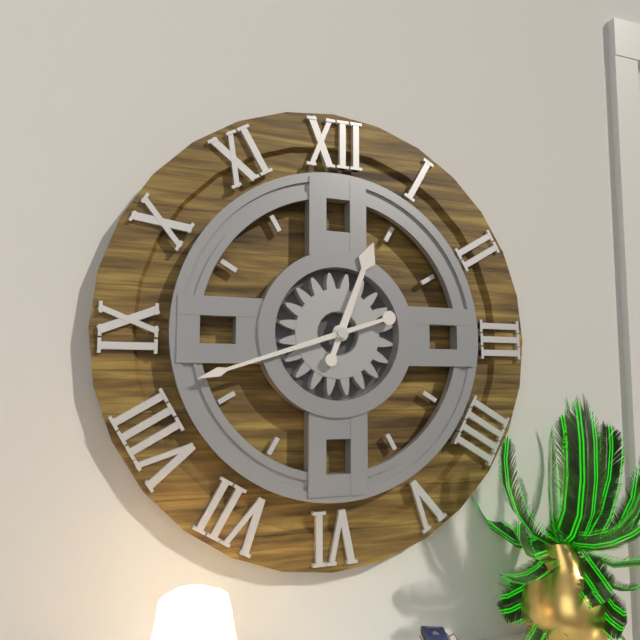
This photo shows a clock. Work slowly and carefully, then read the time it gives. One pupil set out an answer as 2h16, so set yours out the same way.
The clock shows 12h42
